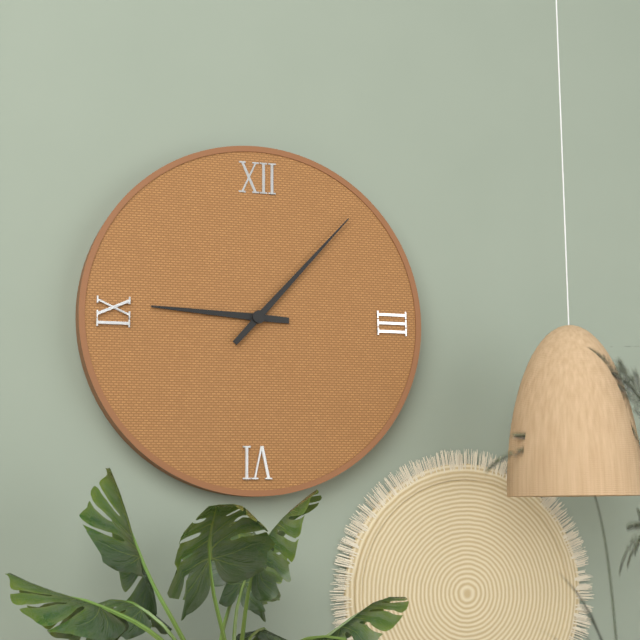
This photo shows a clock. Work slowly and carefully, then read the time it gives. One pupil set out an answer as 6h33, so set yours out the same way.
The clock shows 9h07
